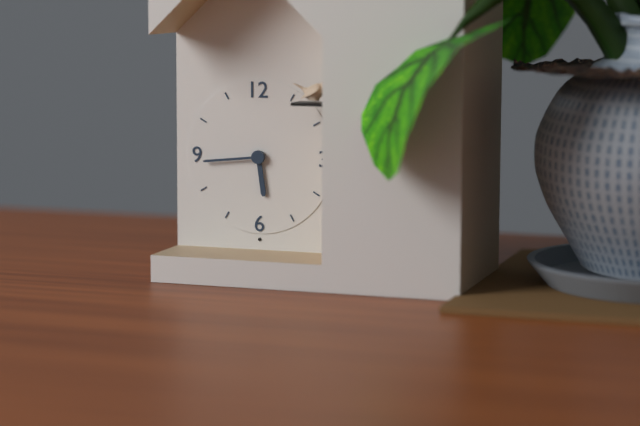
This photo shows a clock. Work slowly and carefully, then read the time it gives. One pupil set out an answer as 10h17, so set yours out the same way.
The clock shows 5h44
